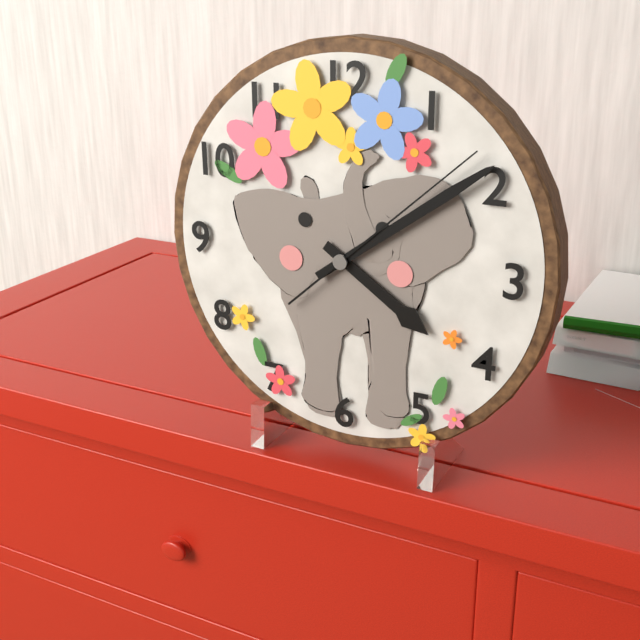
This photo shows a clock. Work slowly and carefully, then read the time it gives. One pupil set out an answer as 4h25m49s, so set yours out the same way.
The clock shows 4h09m08s
